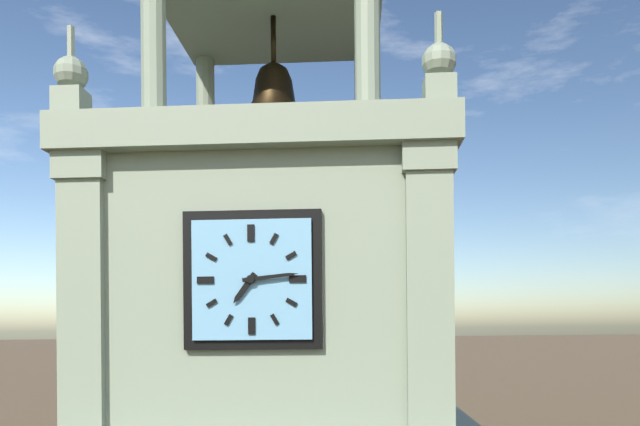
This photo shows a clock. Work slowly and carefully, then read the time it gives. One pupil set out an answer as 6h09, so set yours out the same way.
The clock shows 7h14
